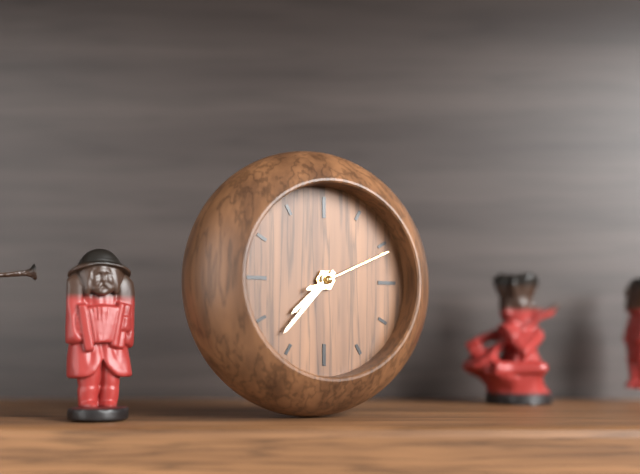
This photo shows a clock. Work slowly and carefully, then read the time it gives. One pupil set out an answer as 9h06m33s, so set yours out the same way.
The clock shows 7h37m11s
